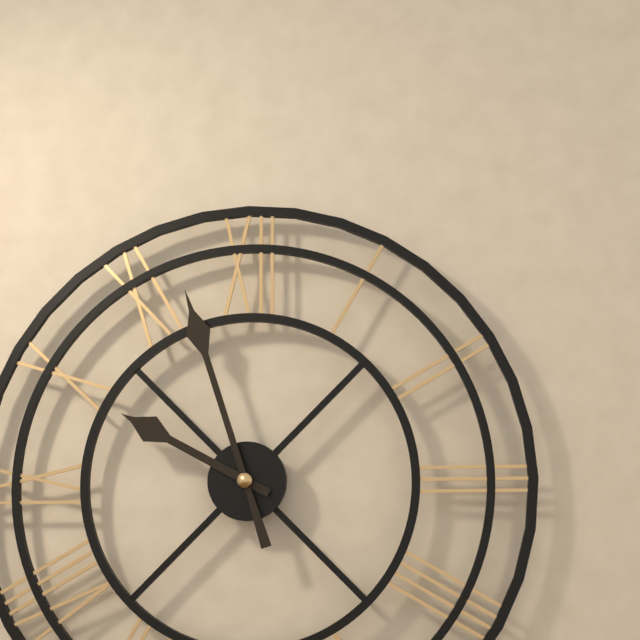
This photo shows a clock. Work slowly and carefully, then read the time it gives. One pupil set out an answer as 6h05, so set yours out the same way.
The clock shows 9h57
